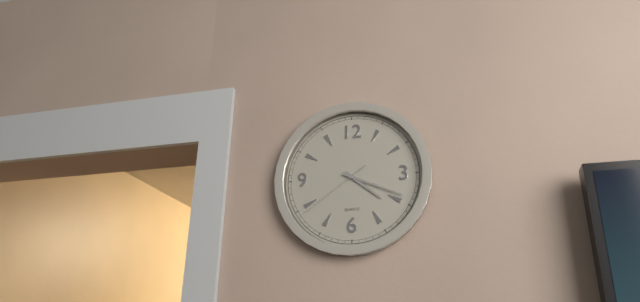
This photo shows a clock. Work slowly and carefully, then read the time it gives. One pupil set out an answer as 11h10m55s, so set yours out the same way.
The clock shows 4h19m39s
